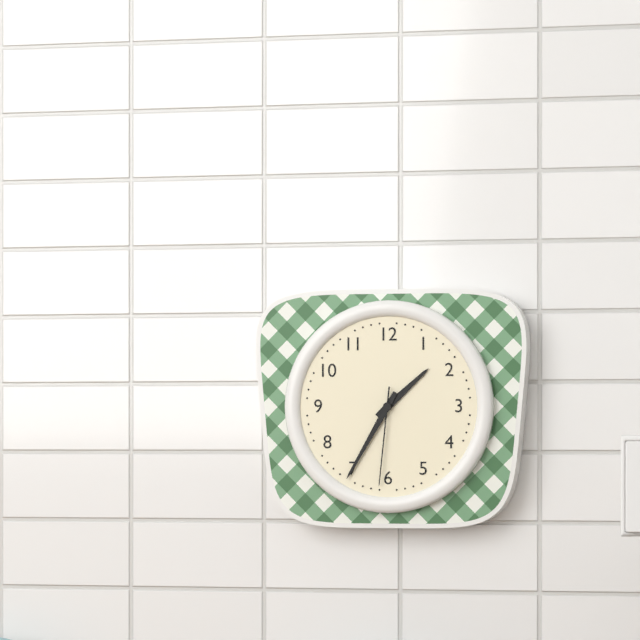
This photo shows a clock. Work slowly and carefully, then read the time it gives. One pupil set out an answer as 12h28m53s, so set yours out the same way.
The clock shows 1h35m31s
